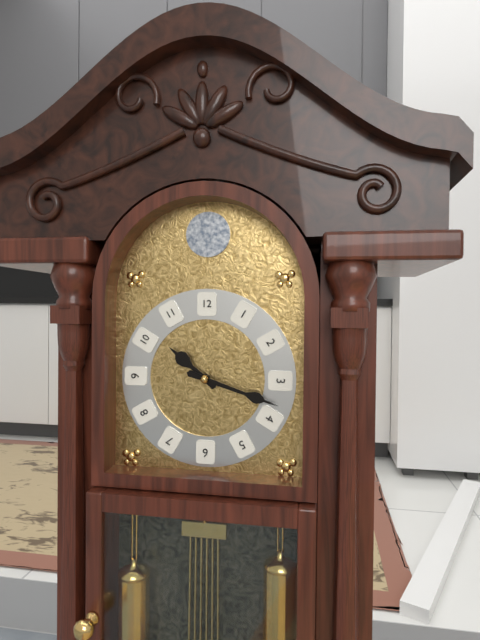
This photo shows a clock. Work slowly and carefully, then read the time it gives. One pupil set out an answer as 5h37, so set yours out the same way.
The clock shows 10h18
